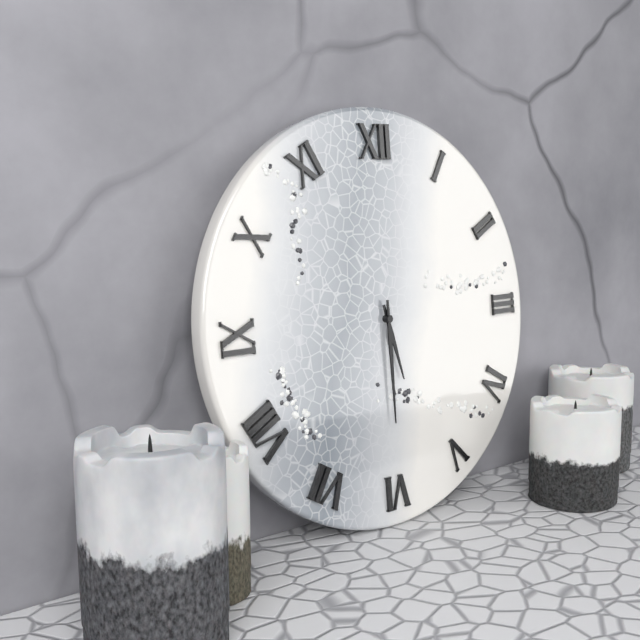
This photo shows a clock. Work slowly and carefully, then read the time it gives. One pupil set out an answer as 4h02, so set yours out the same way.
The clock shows 5h30
